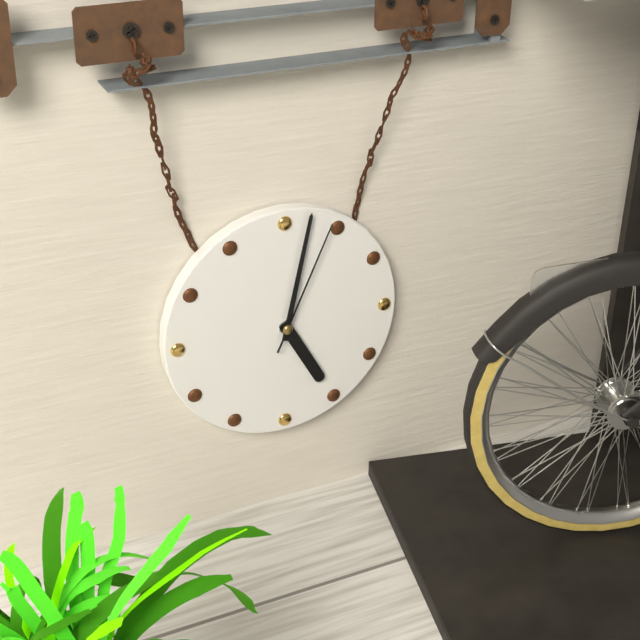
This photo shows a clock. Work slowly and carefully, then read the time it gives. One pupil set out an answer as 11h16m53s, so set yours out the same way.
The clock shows 5h02m04s
